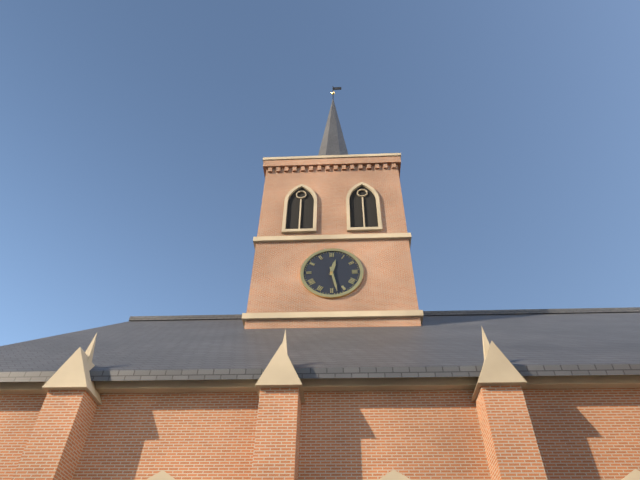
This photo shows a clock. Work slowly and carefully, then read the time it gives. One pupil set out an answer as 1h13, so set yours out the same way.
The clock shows 12h28
